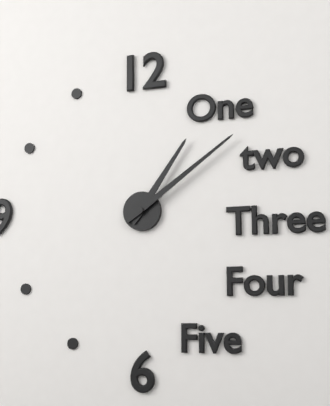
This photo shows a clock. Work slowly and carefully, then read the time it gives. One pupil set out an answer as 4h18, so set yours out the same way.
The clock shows 1h09
